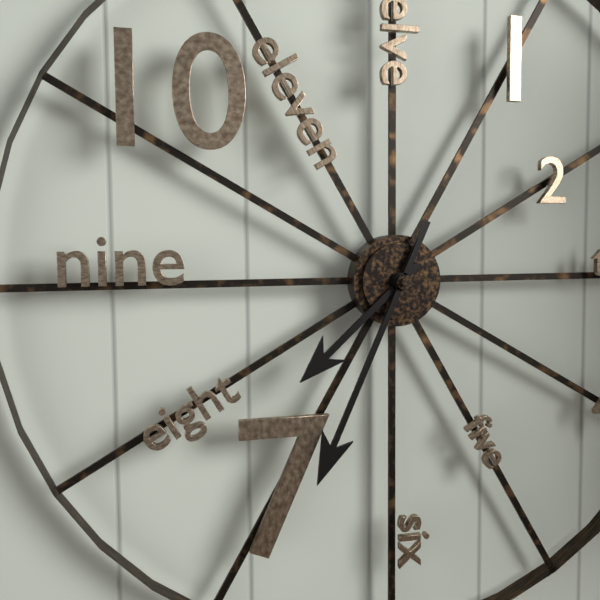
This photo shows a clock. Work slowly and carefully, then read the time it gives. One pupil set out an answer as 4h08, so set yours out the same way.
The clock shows 7h34
